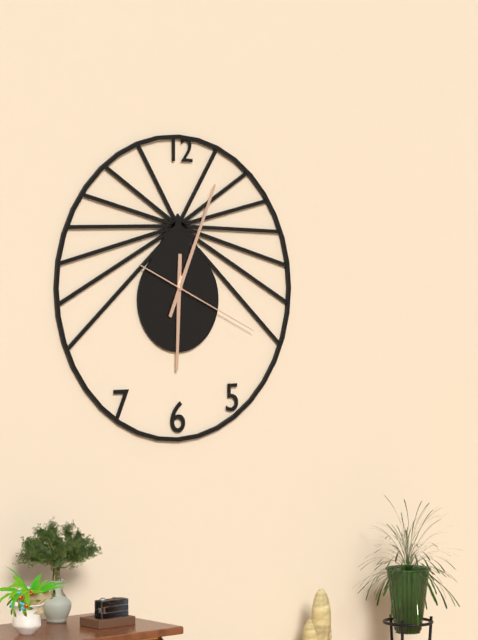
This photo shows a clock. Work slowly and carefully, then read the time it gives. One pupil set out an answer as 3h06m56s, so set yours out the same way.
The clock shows 6h04m19s
